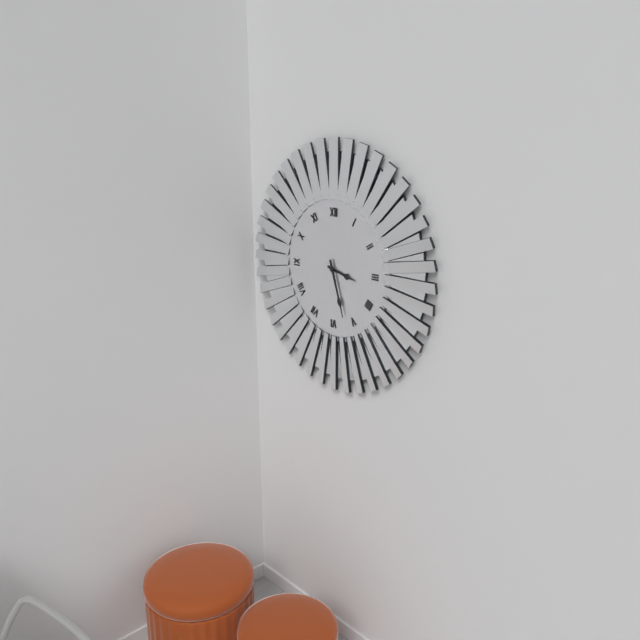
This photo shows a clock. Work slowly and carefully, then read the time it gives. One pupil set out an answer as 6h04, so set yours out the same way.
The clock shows 3h27
